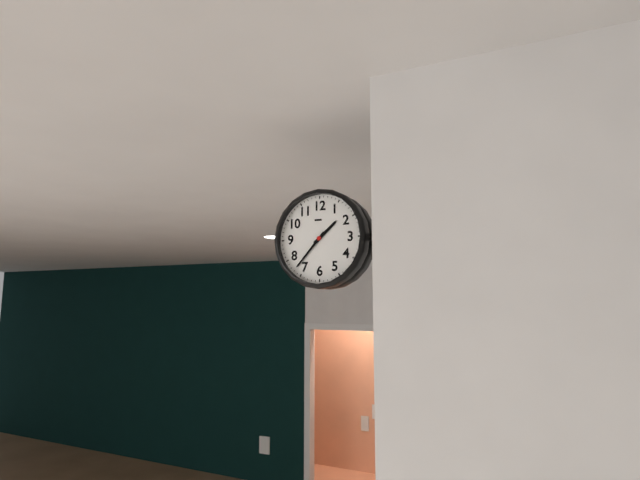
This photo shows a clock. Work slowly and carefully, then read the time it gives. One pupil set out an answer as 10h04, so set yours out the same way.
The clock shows 1h37
